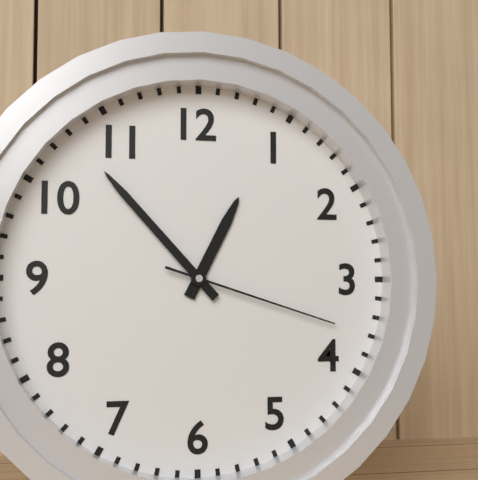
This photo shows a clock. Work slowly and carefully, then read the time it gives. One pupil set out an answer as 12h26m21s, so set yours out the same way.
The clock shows 12h53m18s
